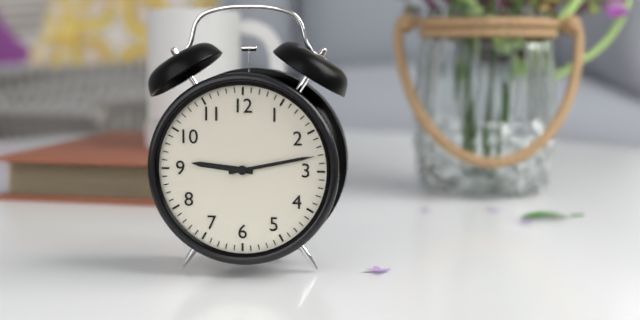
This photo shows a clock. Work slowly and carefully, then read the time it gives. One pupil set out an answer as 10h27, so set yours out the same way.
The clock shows 9h13
